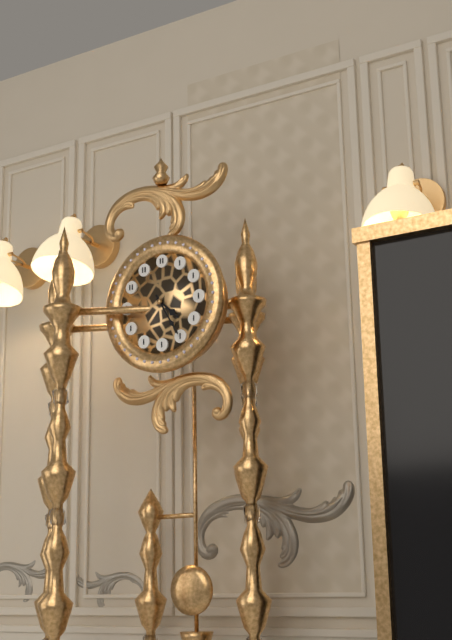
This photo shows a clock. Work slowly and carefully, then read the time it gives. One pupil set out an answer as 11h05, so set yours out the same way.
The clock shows 4h25
